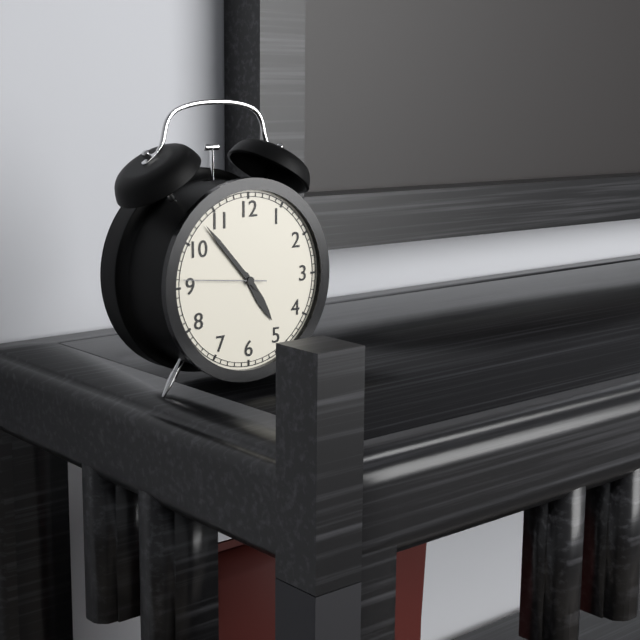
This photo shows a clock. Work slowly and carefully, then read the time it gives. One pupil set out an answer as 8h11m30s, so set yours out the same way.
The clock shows 4h53m46s
